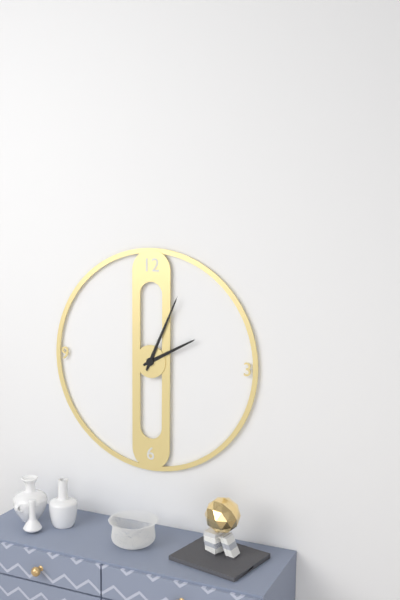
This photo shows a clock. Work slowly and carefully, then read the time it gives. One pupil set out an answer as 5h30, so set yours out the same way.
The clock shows 2h04
